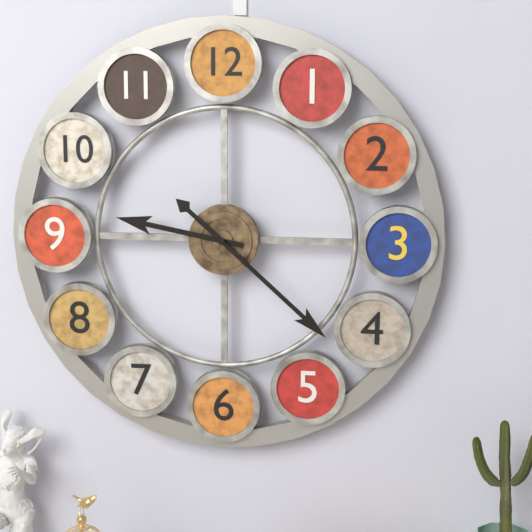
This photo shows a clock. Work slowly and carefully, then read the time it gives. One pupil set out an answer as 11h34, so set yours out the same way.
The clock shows 9h22
